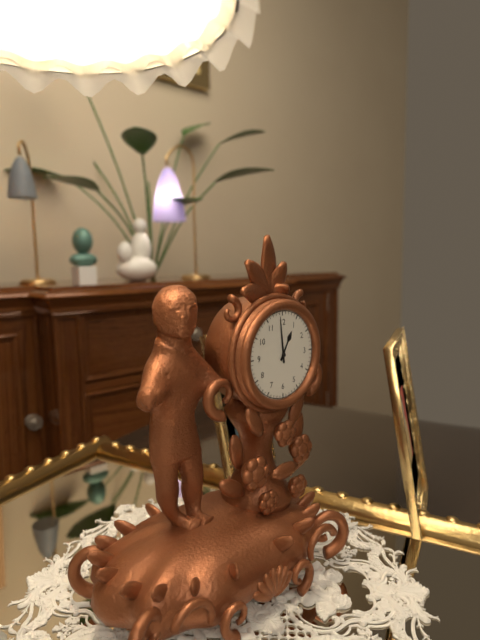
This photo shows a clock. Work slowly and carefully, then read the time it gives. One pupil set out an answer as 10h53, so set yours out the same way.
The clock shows 12h59
